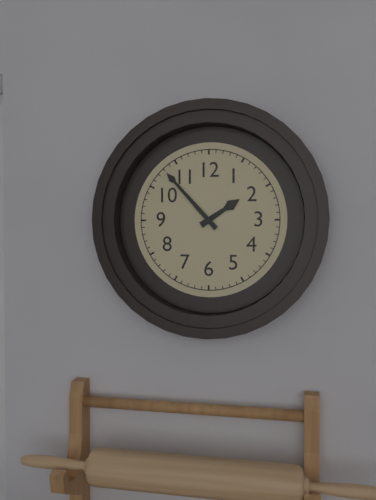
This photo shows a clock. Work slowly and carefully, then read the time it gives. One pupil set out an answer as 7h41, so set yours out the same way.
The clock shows 1h53
